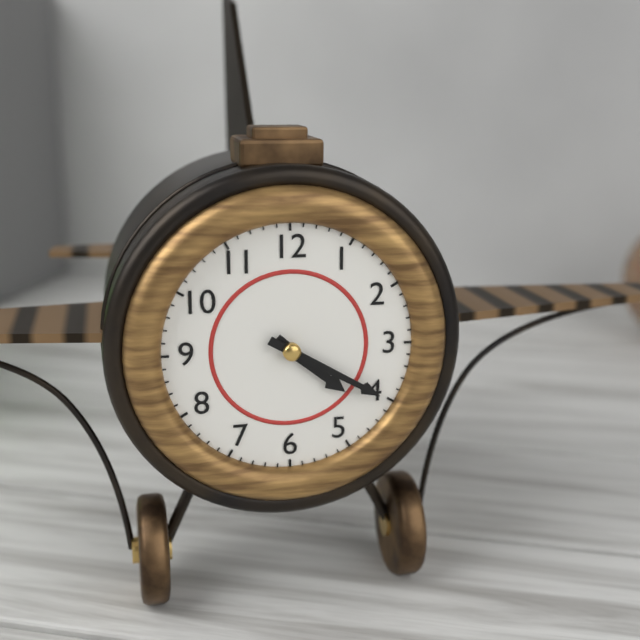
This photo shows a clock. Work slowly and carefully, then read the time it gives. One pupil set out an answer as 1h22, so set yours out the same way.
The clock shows 4h20
